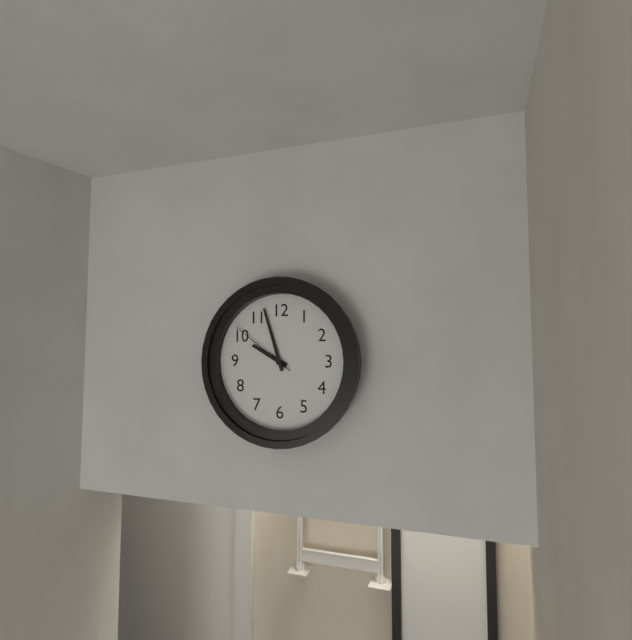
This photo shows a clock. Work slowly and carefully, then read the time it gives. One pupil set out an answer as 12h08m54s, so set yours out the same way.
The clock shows 9h57m51s
